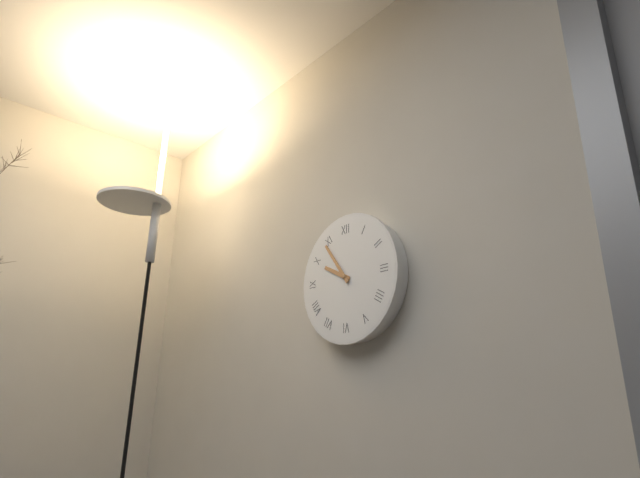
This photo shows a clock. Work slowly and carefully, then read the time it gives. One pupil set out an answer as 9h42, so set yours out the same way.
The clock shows 9h54
